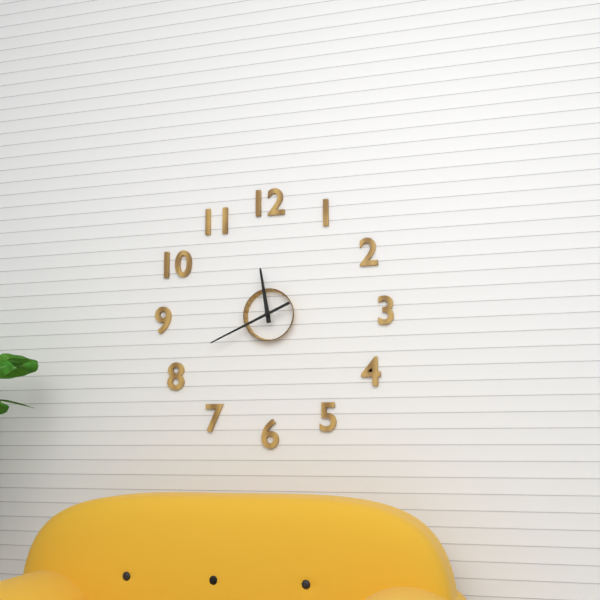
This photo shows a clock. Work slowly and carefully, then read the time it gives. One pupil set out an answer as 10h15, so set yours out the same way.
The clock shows 11h41
